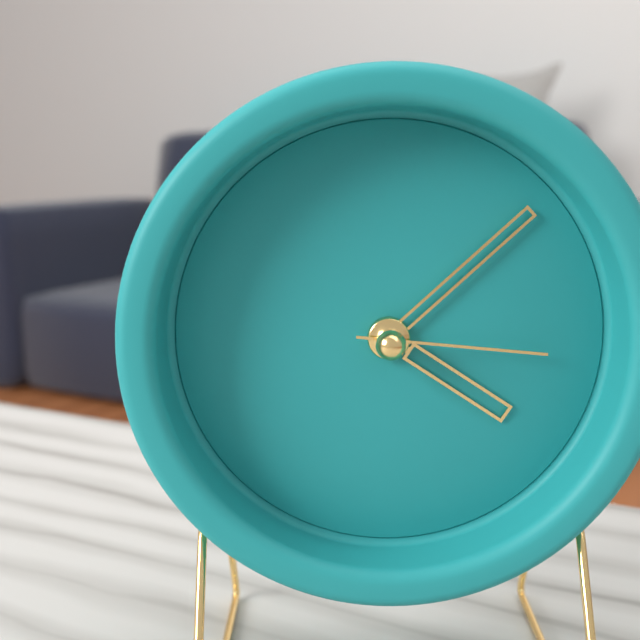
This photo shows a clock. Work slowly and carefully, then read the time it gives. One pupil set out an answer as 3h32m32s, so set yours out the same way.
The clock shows 4h08m16s
